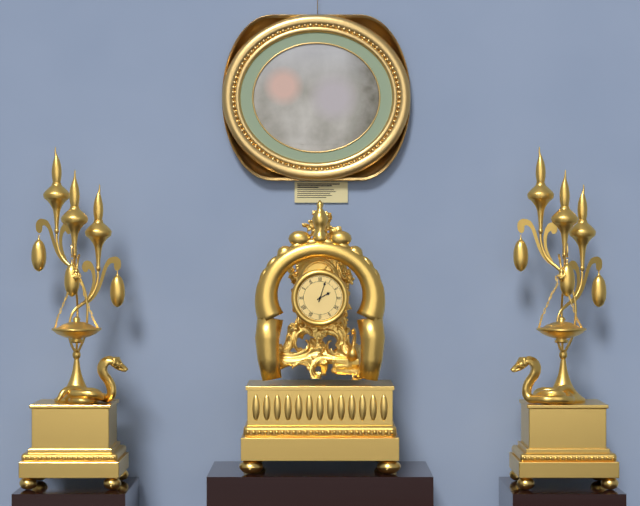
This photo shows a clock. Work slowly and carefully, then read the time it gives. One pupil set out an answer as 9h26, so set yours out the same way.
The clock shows 2h03
